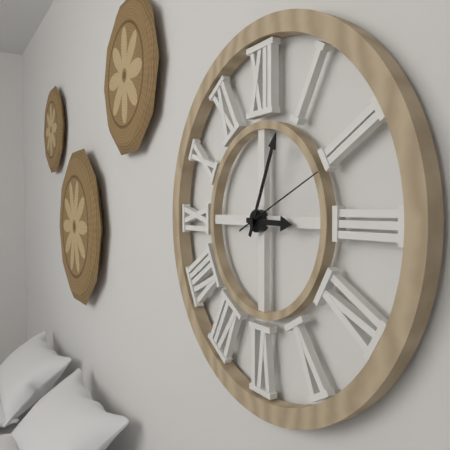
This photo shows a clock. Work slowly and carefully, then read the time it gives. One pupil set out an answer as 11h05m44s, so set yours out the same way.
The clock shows 3h04m11s
